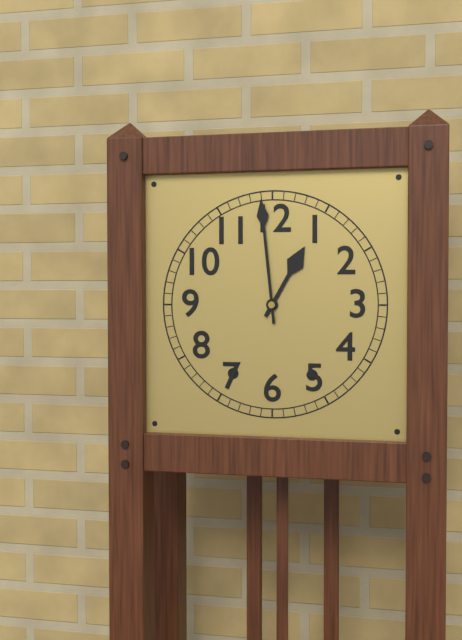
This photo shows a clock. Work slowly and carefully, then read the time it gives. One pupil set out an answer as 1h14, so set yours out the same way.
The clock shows 12h59
